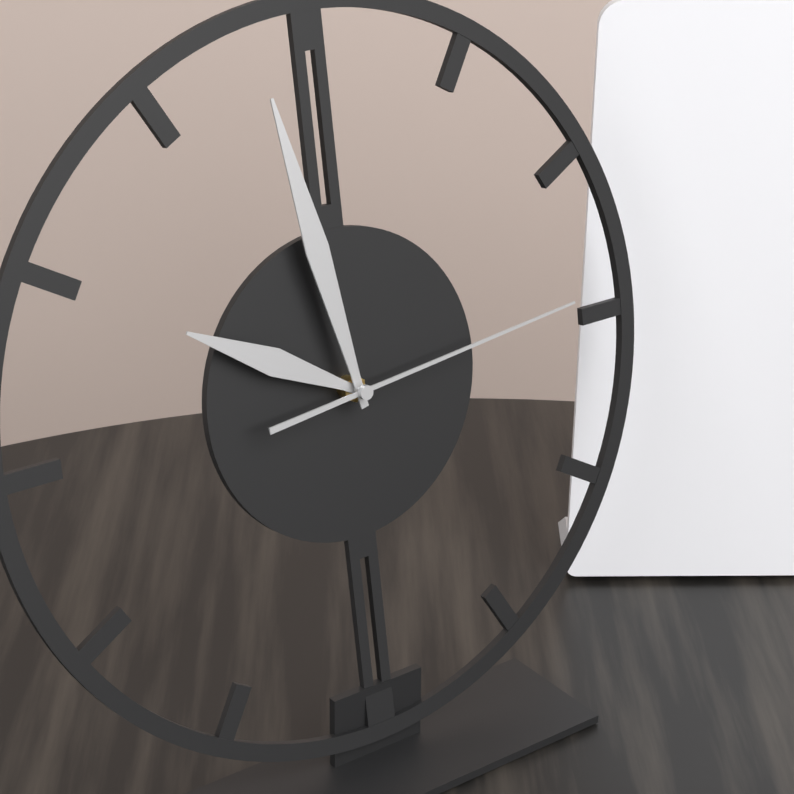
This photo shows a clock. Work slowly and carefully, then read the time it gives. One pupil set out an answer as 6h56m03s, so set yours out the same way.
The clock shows 9h58m14s
